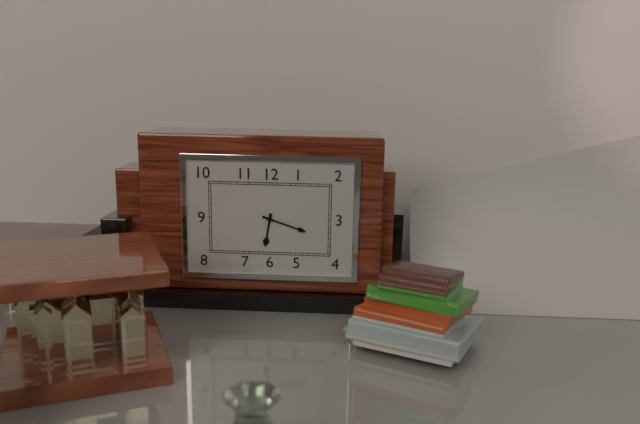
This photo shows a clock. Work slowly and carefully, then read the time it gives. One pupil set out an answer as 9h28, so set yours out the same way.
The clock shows 6h18
